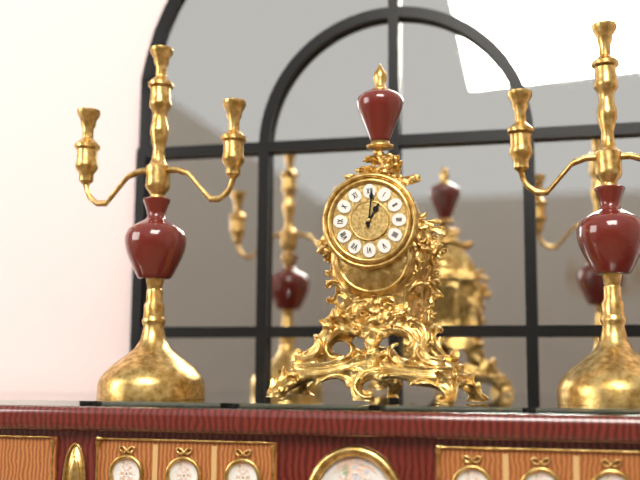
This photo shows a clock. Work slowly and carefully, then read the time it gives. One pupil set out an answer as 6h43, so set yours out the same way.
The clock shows 1h01
